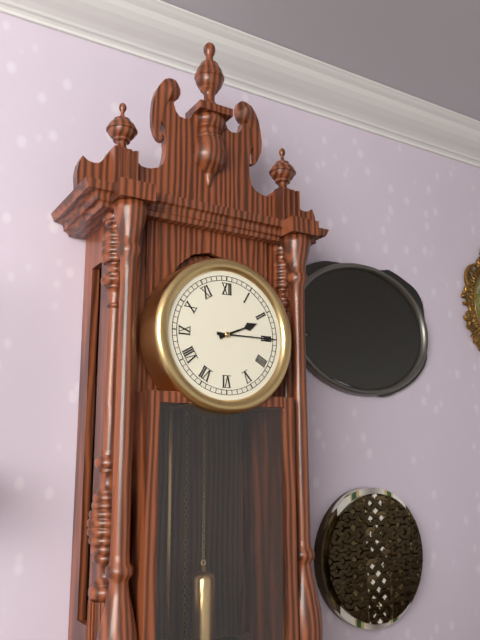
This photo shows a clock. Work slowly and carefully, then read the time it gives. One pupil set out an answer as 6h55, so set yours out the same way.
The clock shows 2h15
